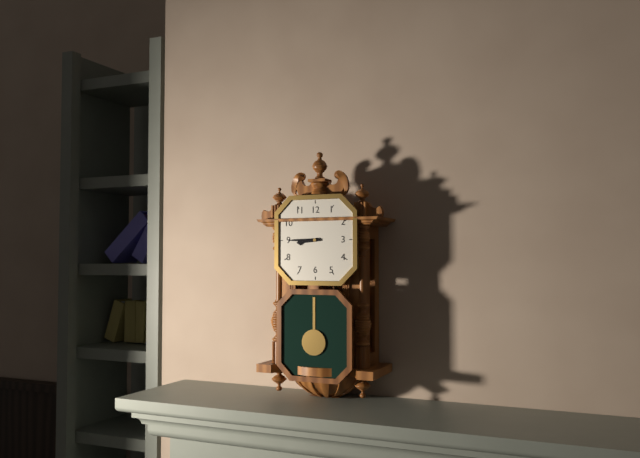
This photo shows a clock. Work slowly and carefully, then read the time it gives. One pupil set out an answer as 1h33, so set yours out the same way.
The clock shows 8h45
